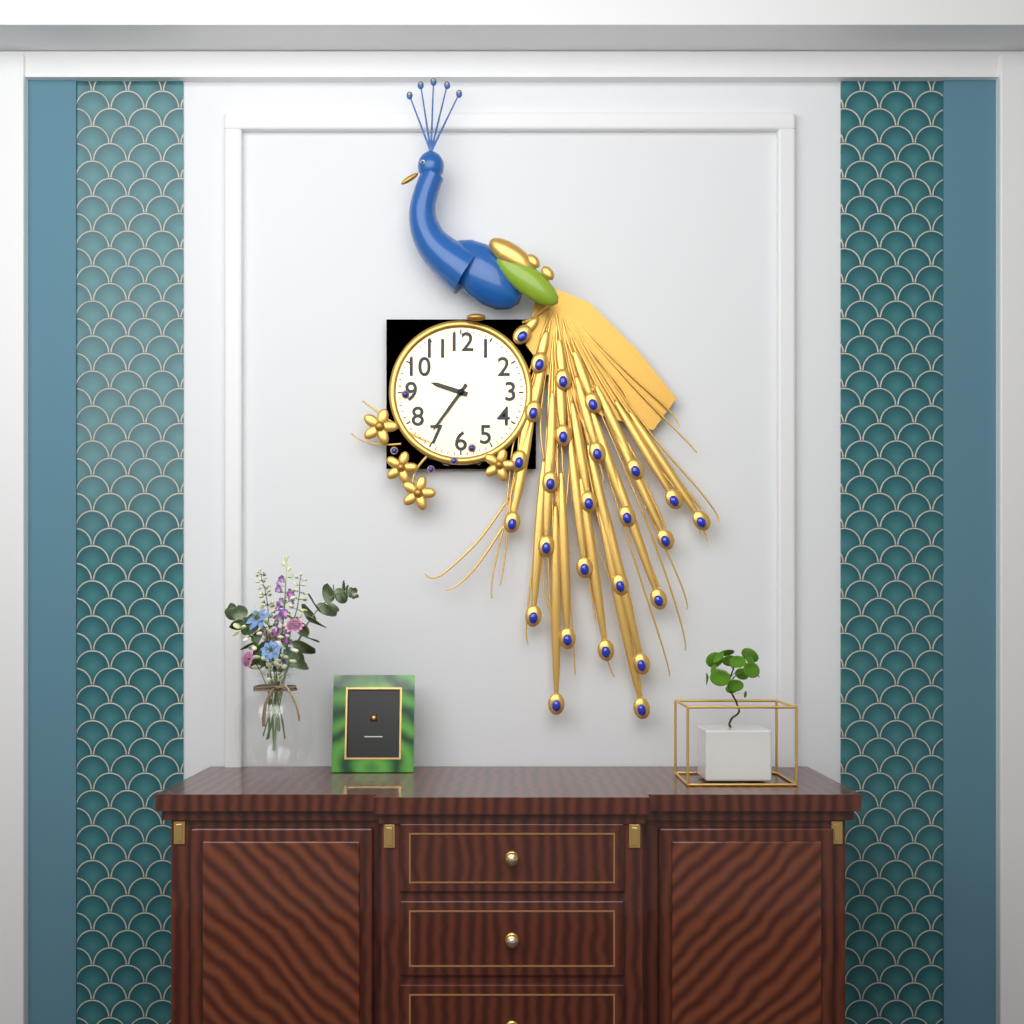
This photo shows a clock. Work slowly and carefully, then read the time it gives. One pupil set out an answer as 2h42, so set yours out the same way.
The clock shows 9h36
